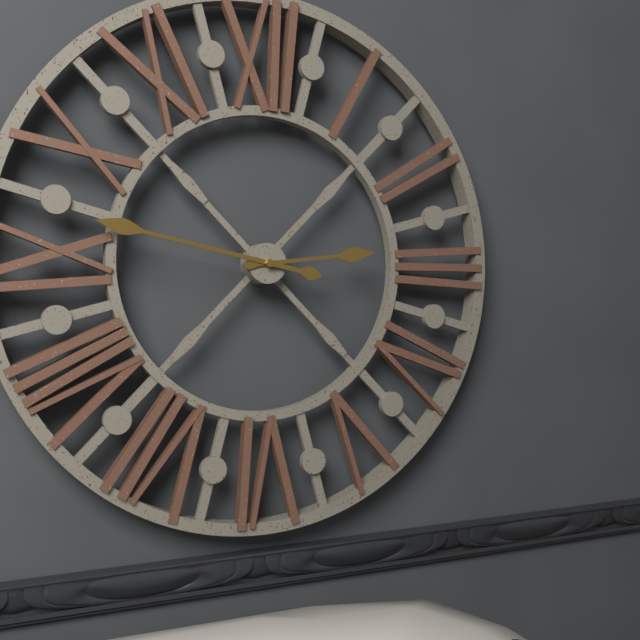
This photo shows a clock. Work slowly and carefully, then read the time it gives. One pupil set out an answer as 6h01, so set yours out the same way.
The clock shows 2h47
